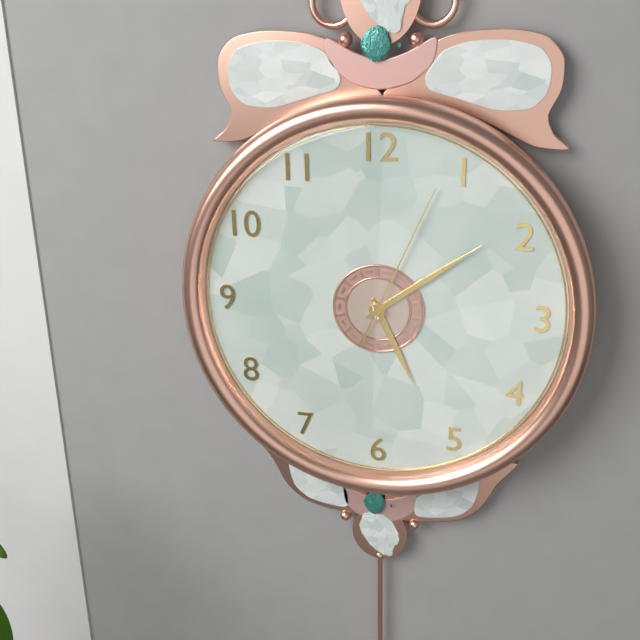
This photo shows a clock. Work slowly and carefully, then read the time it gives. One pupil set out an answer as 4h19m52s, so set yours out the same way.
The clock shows 5h09m04s
